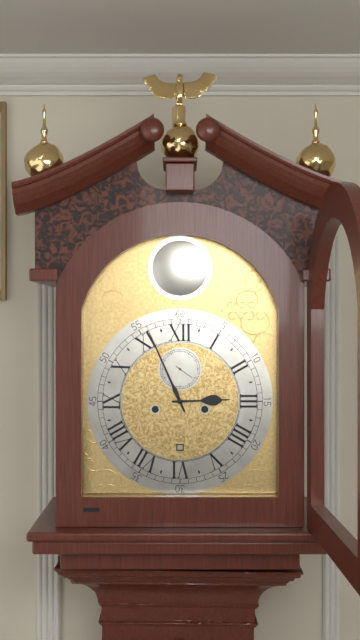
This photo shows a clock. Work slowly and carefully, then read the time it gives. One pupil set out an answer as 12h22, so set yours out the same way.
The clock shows 2h56
